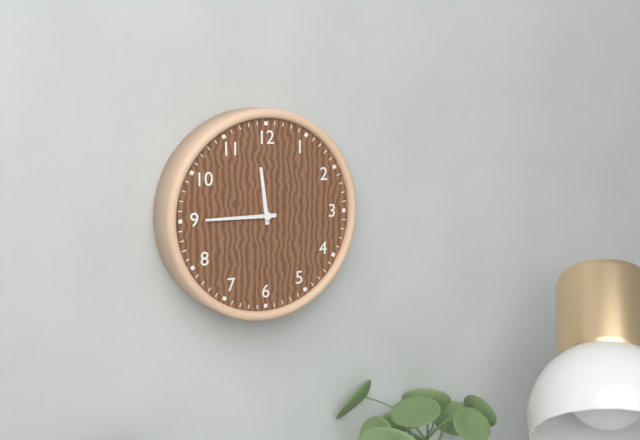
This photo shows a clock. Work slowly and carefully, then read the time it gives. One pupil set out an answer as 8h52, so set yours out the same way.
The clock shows 11h45
